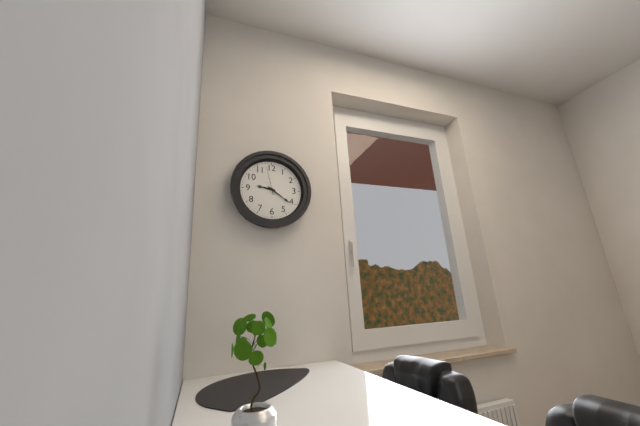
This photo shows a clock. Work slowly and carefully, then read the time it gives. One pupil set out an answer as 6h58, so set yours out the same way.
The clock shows 9h21
